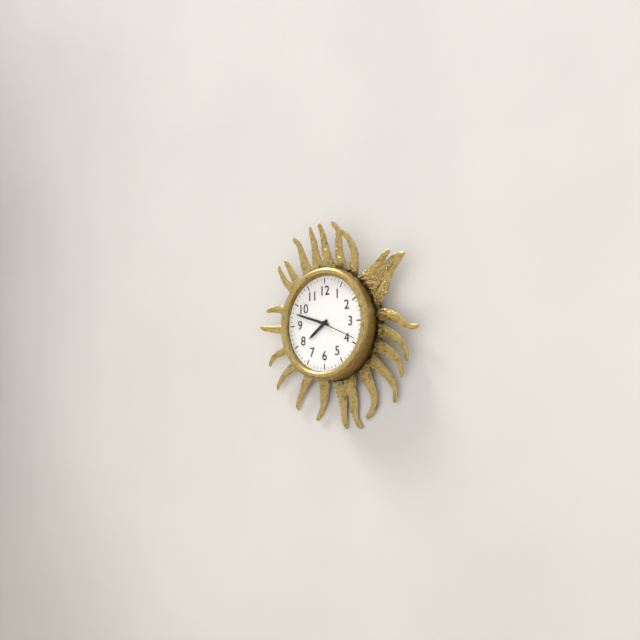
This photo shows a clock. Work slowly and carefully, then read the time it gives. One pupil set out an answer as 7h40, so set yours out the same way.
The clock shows 7h48
